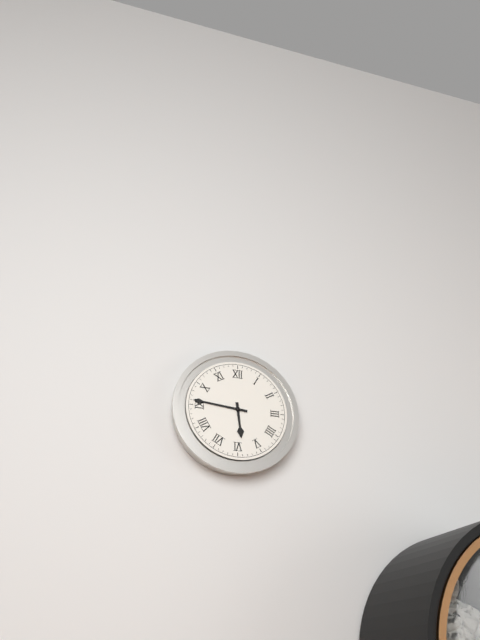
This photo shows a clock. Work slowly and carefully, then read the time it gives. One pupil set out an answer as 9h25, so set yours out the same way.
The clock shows 5h46
